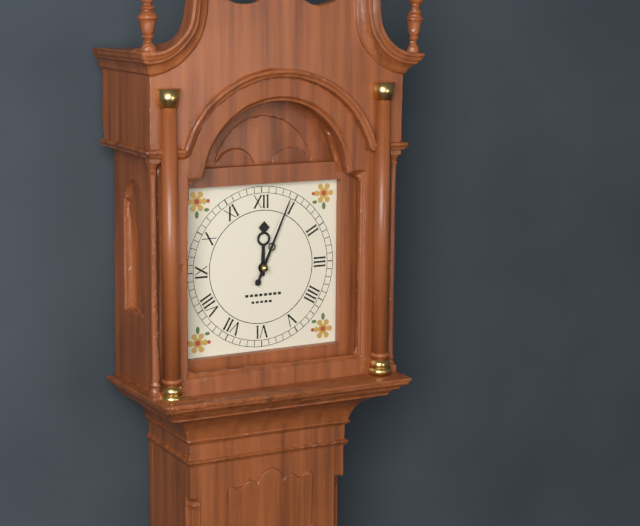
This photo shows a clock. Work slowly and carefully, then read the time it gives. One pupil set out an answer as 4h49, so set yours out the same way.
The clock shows 12h04
